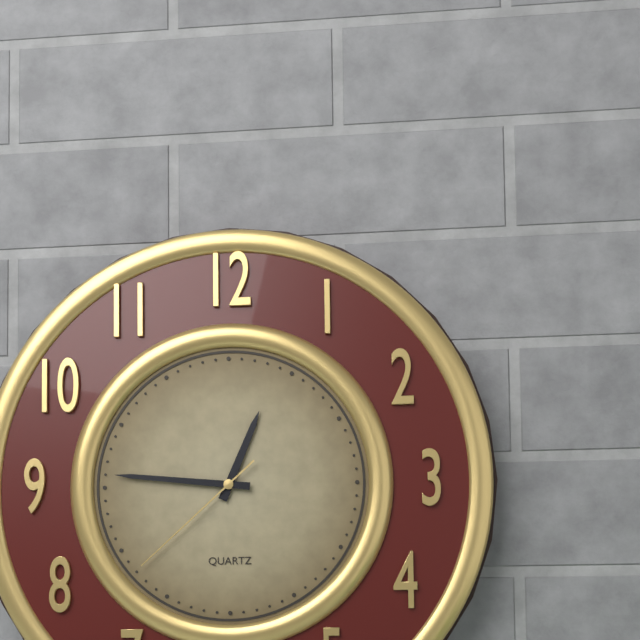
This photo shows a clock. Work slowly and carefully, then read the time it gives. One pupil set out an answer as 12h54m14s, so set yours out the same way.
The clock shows 12h46m38s
